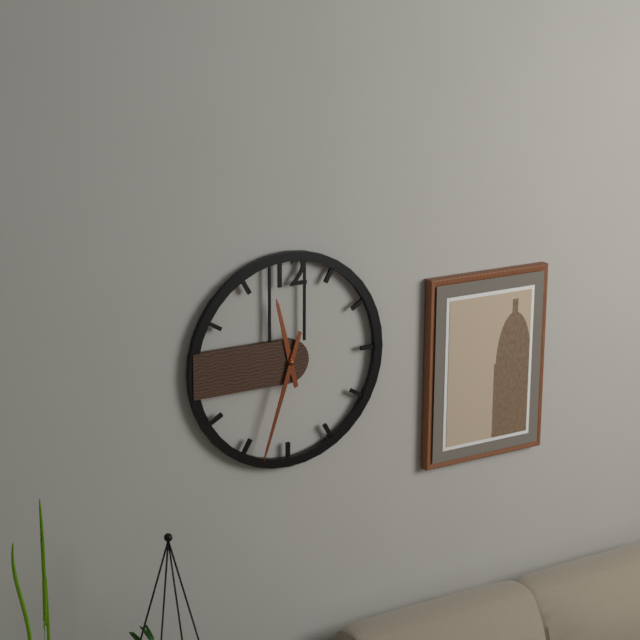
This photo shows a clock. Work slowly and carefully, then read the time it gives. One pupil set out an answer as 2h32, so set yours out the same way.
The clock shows 11h33
